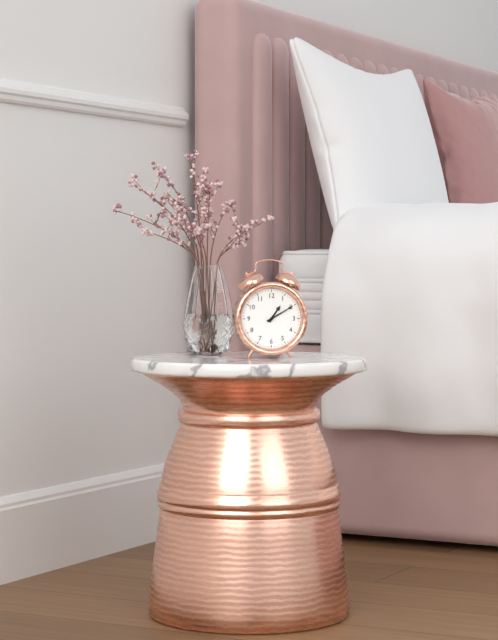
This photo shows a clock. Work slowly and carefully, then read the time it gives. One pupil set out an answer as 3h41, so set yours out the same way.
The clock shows 1h10
